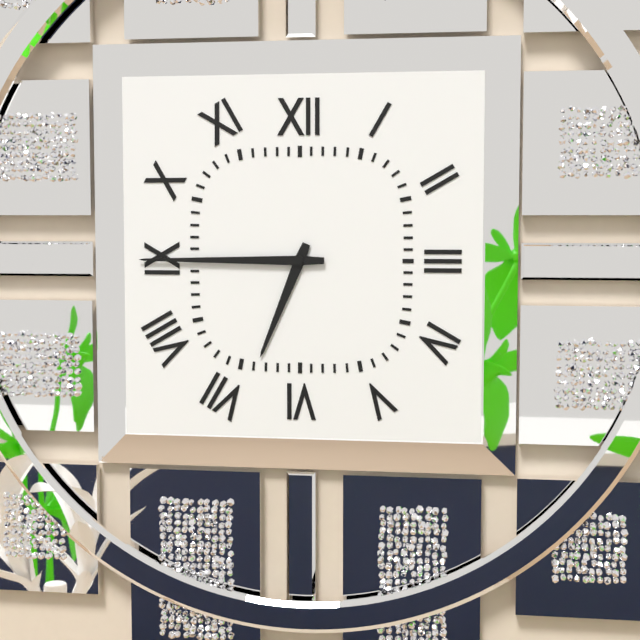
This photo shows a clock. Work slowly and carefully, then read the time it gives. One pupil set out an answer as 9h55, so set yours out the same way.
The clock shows 6h45
